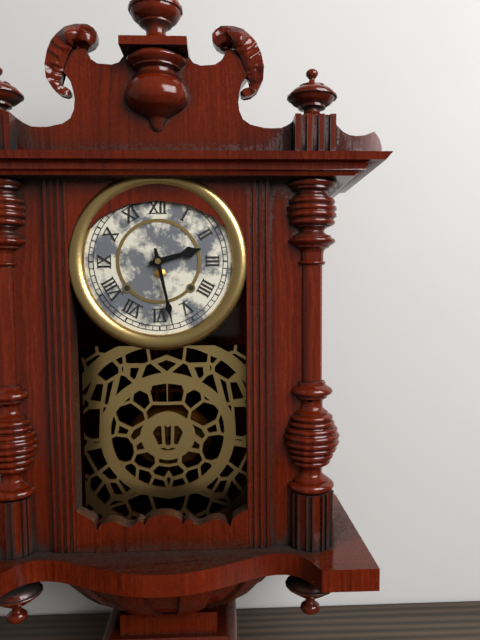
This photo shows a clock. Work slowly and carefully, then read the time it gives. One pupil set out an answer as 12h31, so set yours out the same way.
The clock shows 2h28
